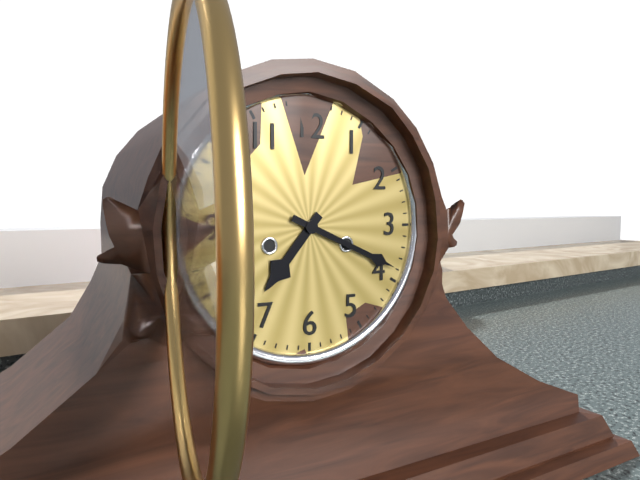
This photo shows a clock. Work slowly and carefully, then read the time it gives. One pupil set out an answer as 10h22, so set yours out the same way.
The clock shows 7h19
